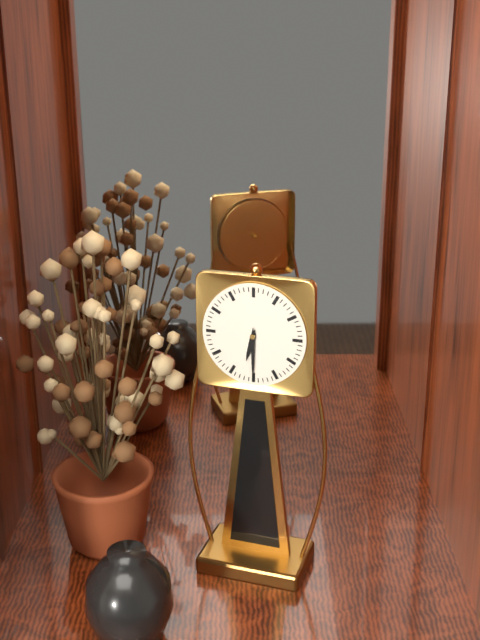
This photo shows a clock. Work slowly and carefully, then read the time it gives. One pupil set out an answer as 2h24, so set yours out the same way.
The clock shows 6h30
